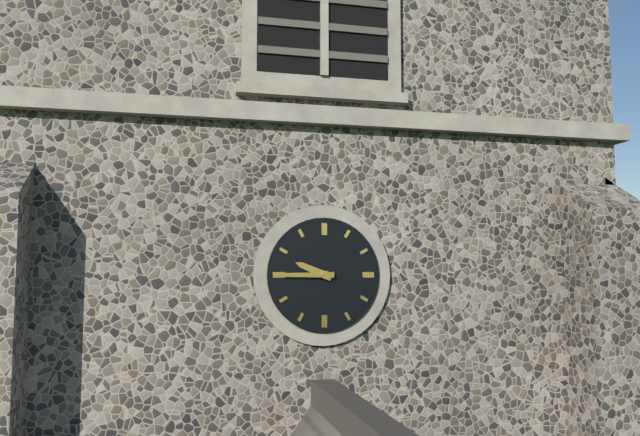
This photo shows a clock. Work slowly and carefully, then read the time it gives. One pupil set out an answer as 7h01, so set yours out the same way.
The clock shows 9h45
